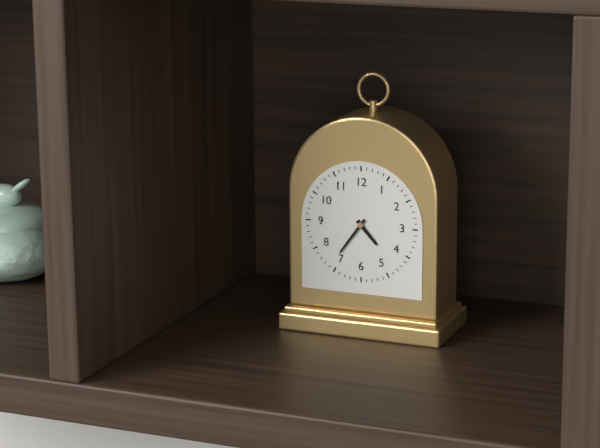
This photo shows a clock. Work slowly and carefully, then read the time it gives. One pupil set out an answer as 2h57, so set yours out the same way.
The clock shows 4h36
